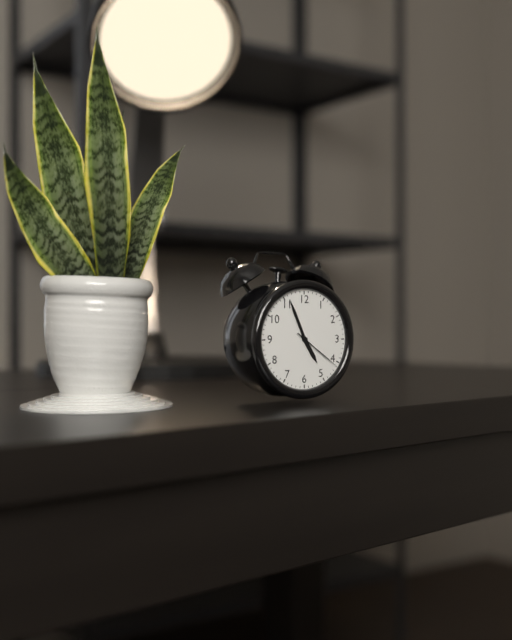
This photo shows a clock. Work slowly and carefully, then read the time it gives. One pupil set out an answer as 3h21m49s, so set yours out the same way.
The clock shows 4h56m21s
